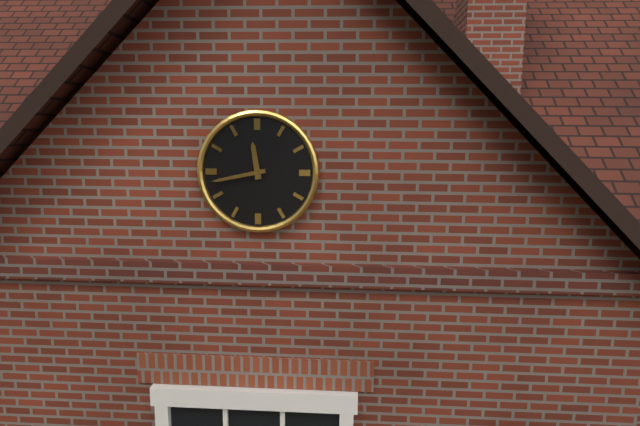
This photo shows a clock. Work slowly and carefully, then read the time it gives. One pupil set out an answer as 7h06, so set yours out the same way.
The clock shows 11h43
